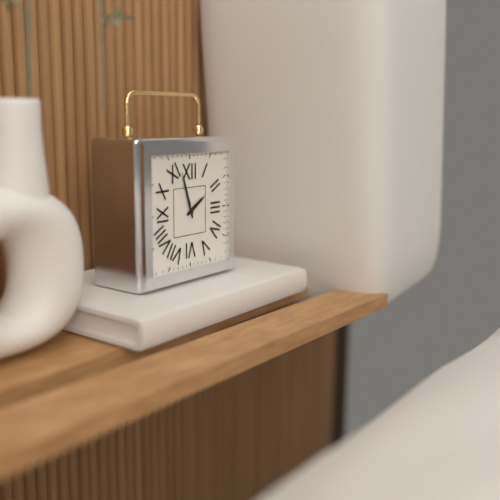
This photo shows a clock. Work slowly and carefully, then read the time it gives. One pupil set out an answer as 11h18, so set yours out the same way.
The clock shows 1h57
